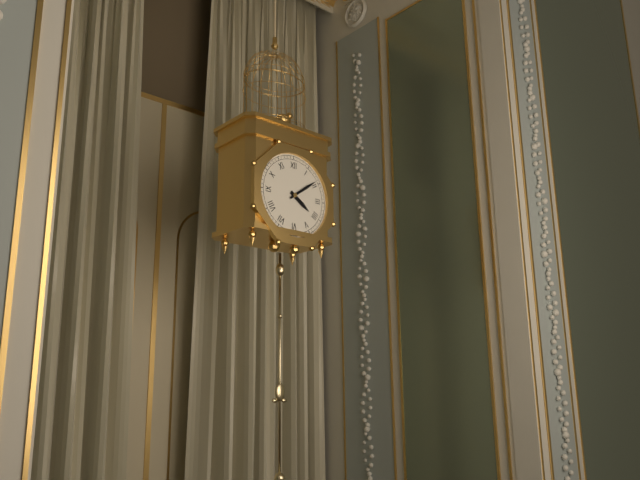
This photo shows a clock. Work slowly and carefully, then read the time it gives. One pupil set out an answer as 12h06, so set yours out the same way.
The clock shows 4h09
